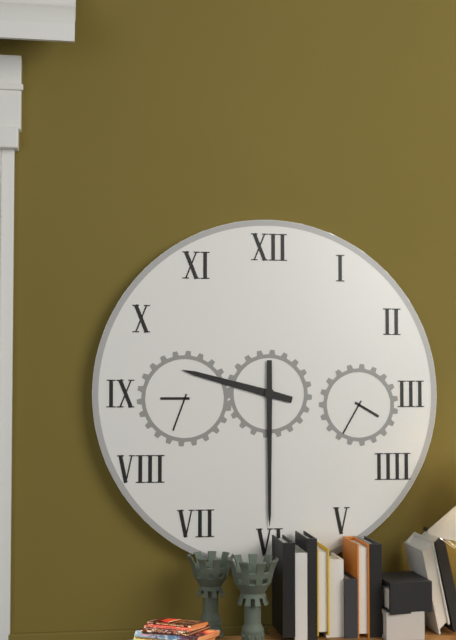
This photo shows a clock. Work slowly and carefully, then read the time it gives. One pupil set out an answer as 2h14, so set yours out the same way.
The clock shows 9h30
